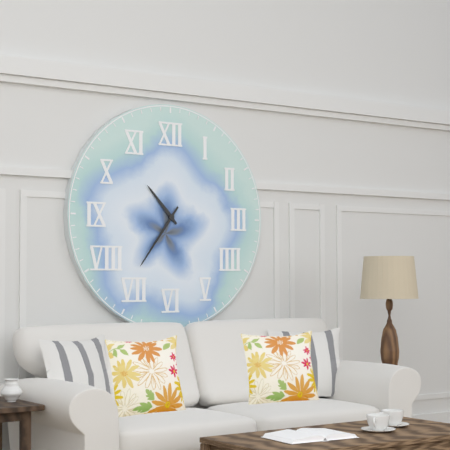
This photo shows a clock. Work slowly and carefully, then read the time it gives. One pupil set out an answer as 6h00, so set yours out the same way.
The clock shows 10h36
